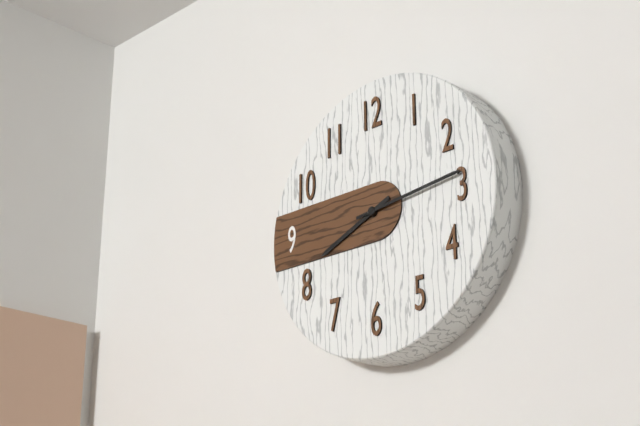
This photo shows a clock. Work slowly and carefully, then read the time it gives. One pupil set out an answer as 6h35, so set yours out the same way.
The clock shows 8h14
